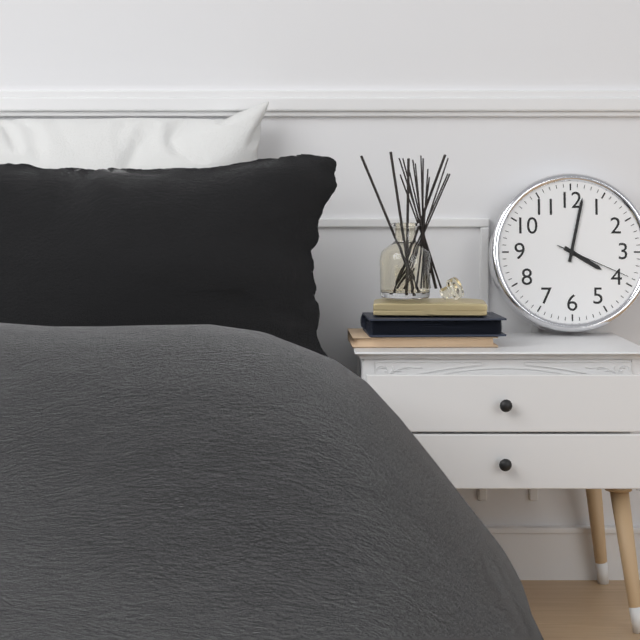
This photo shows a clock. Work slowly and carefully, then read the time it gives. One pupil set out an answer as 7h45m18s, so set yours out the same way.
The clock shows 4h02m19s
